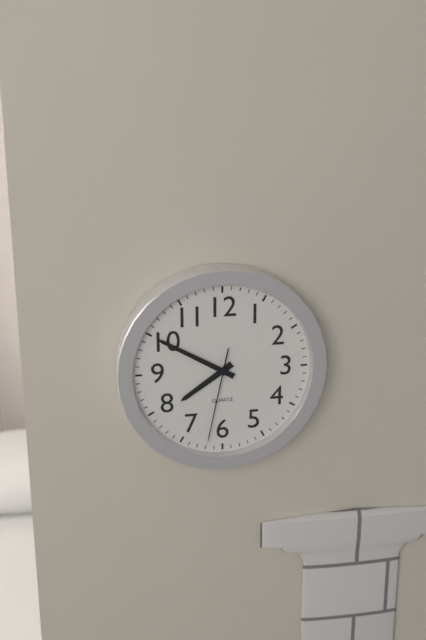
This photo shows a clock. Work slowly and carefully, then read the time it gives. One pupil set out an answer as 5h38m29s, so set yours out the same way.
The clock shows 7h50m32s
